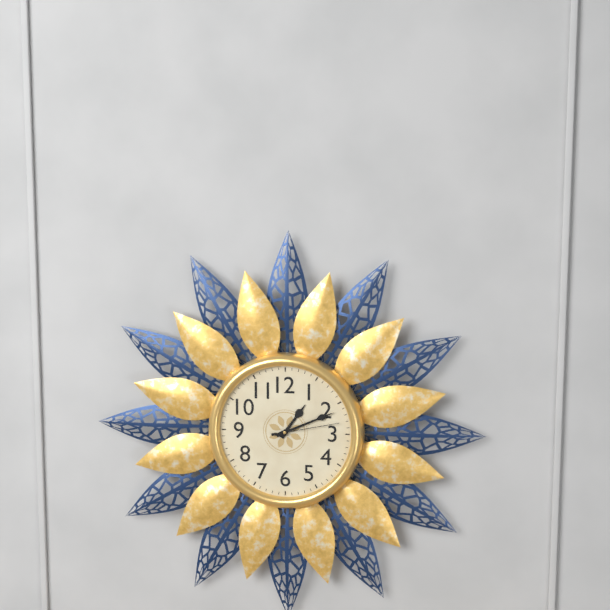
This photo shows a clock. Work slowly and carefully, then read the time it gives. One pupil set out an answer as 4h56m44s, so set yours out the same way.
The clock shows 1h11m13s
